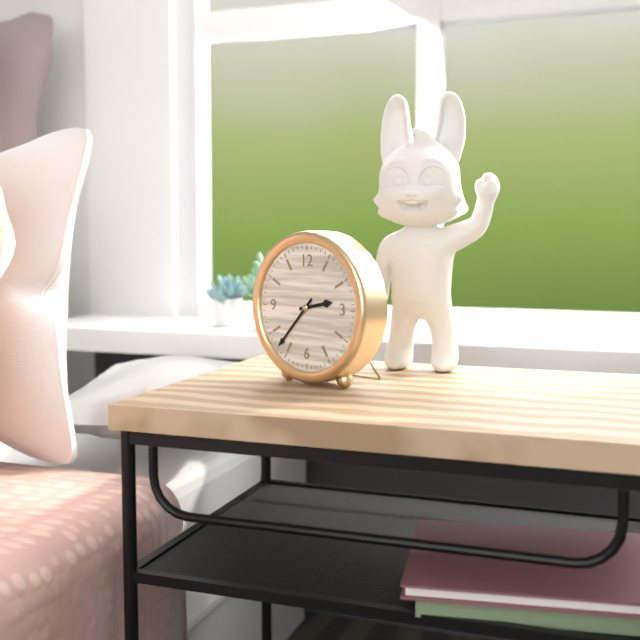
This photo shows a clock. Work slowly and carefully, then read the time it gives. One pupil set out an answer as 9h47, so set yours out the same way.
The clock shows 2h37
